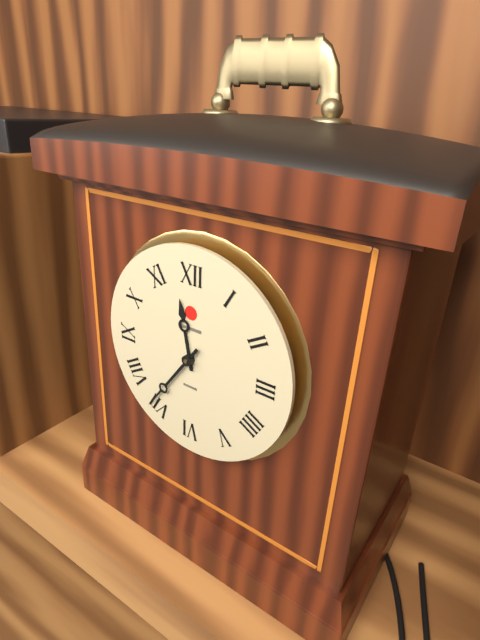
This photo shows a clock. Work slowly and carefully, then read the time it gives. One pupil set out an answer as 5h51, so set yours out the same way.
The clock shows 11h36
